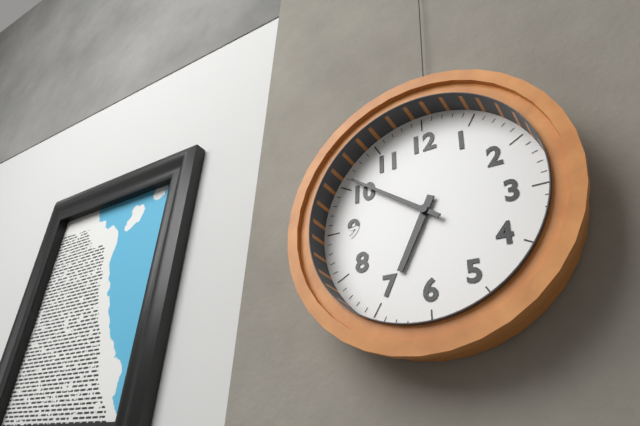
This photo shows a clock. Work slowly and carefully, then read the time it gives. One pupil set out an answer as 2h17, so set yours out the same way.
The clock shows 6h51
